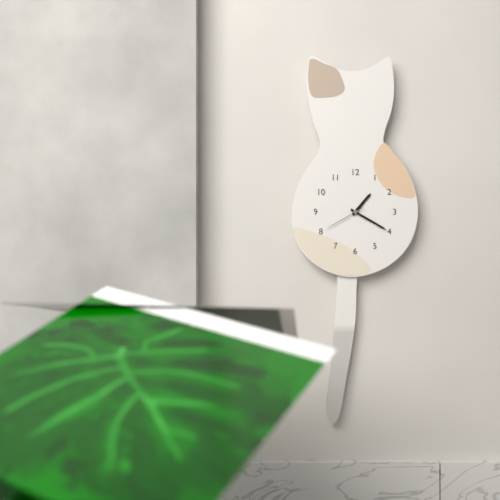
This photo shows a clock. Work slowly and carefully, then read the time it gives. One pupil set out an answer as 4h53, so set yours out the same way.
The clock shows 1h20
